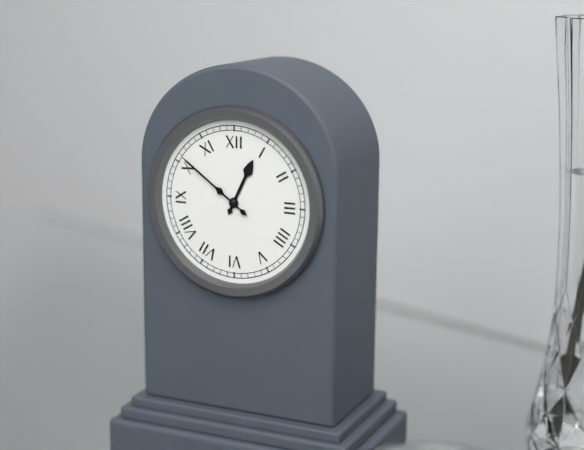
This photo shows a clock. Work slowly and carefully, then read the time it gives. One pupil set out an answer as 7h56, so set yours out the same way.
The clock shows 12h51
